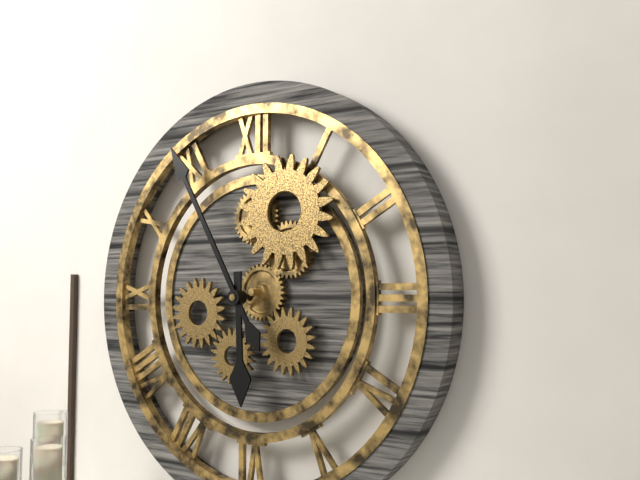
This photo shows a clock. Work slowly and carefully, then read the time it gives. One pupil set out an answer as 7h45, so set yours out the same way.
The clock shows 5h55
